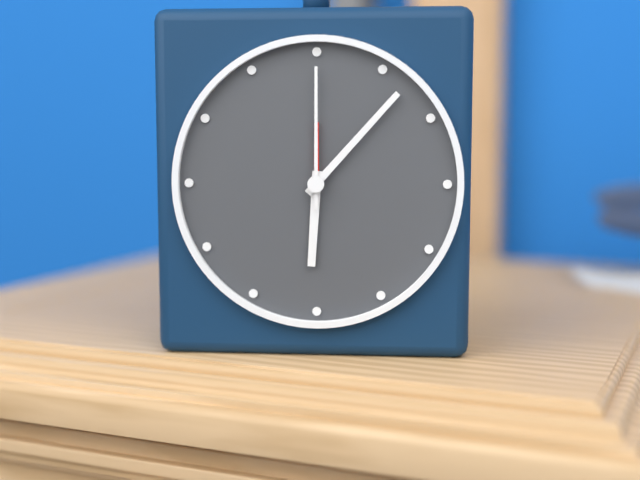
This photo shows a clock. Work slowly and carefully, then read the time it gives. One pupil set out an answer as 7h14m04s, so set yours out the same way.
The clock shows 6h07m00s
